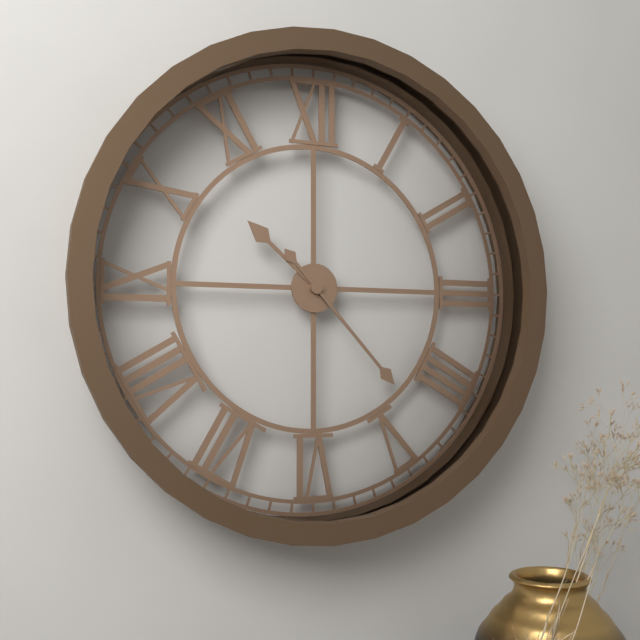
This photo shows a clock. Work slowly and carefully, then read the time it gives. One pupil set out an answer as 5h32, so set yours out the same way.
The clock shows 10h23
